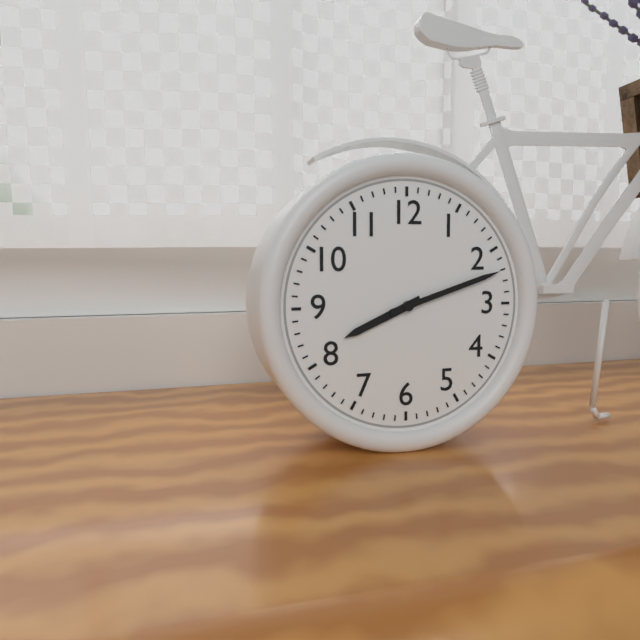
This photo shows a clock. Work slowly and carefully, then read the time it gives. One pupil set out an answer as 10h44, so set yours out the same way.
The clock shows 8h12
